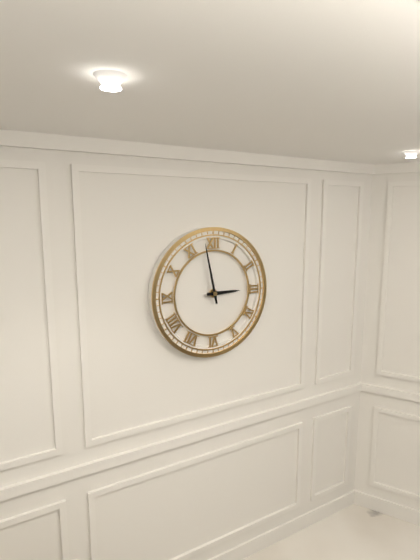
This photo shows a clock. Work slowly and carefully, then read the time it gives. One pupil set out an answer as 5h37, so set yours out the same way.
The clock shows 2h58
